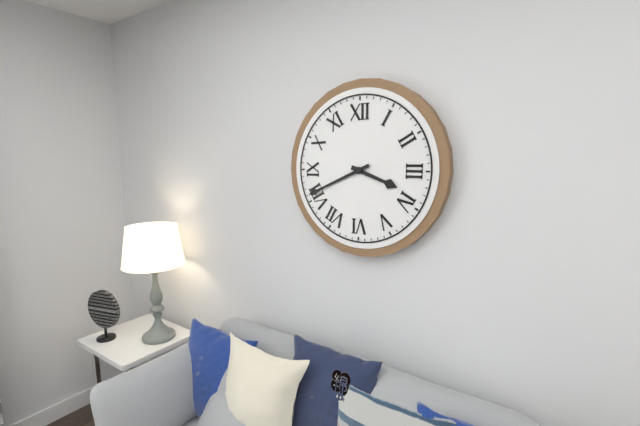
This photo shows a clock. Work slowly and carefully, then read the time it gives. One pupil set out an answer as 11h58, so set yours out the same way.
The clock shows 3h41
